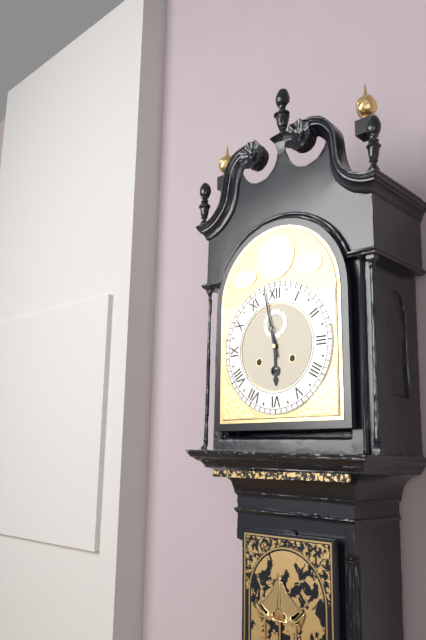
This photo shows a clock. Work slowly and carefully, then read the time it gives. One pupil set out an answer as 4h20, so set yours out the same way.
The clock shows 5h58
